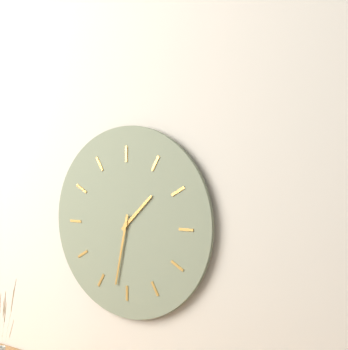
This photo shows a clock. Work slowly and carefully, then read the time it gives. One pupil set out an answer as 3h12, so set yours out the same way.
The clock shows 1h32
